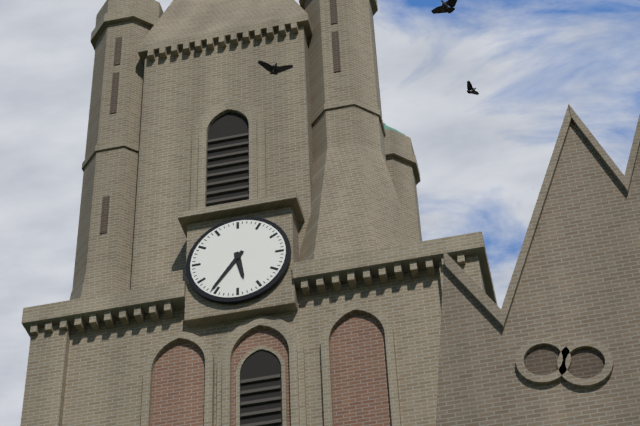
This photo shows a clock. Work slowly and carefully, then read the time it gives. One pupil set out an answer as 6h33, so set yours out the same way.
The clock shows 5h36
